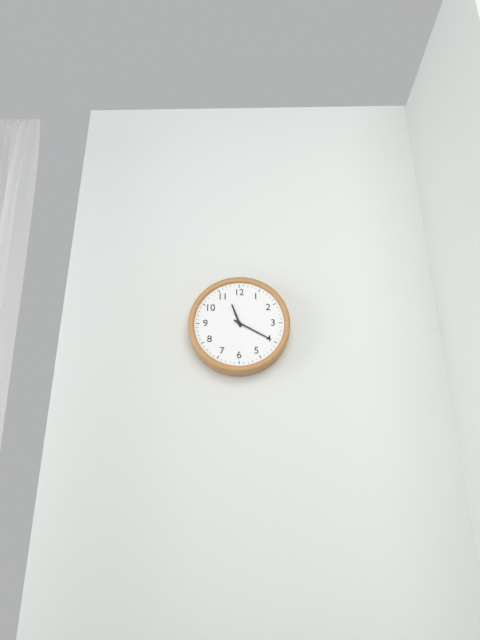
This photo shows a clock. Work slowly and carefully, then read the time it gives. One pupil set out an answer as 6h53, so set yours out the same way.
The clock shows 11h20
